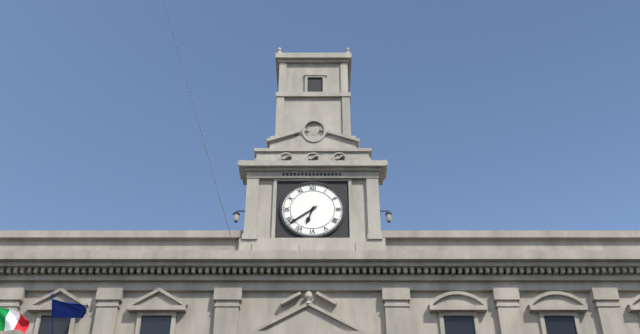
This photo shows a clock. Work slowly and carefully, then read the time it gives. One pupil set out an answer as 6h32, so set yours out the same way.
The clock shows 6h39
